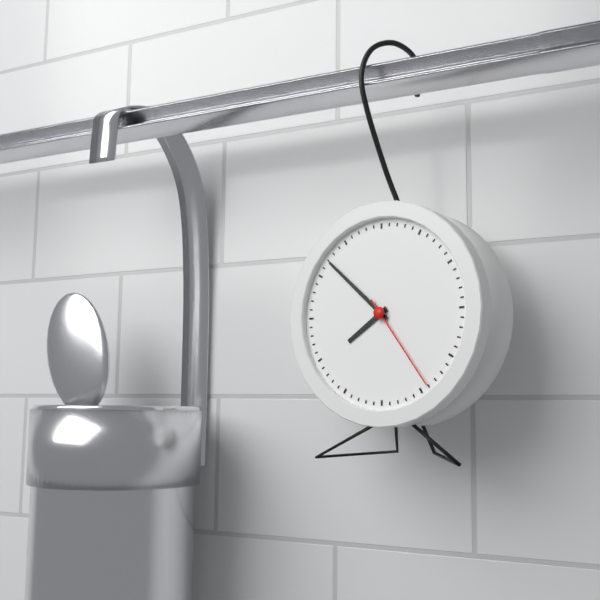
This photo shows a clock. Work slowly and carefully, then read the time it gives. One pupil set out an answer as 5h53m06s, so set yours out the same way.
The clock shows 7h52m24s
